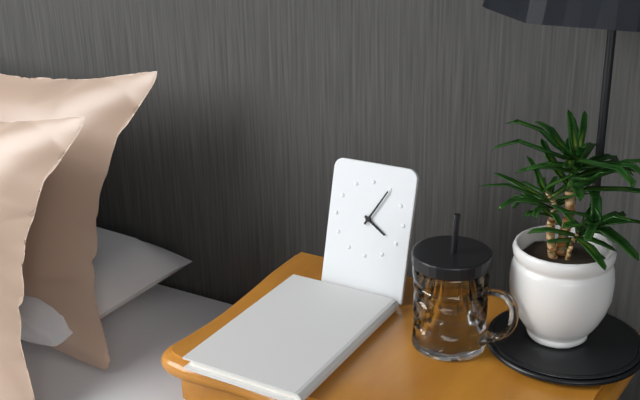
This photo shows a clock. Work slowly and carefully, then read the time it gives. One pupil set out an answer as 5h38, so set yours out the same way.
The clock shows 4h05
